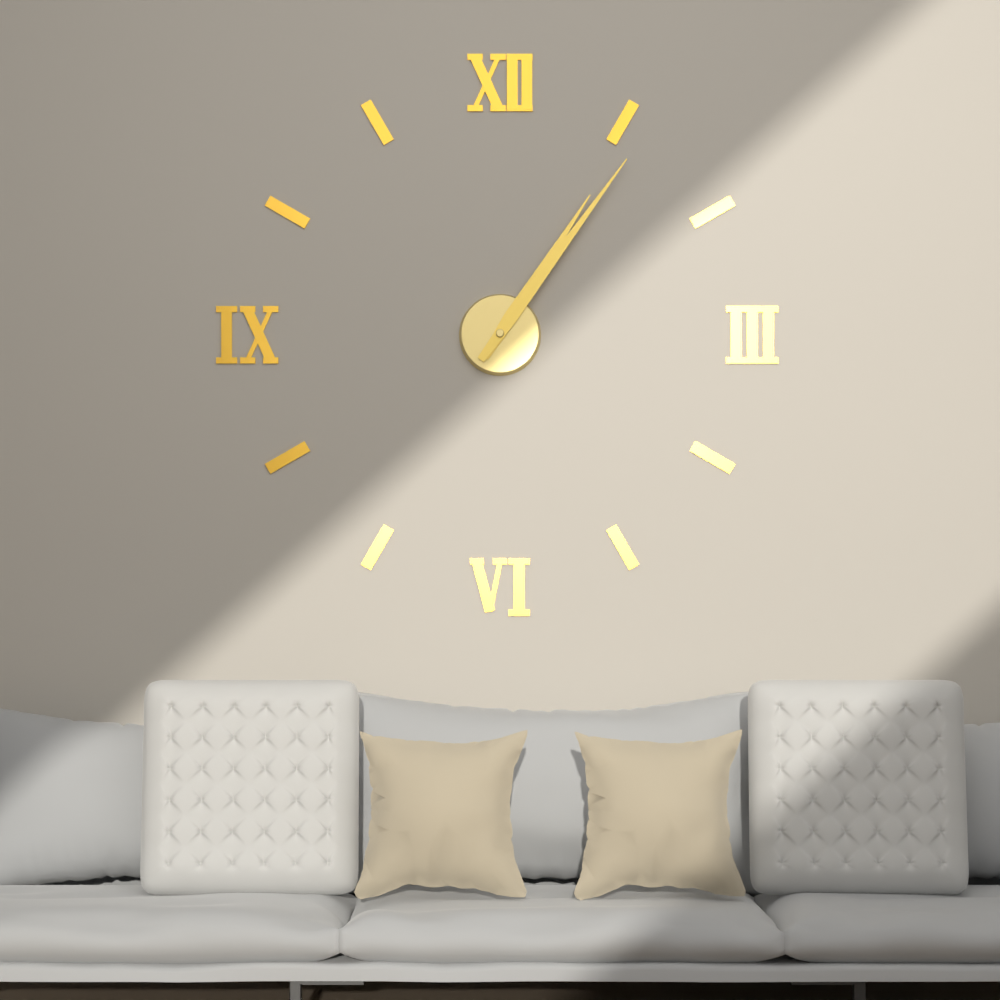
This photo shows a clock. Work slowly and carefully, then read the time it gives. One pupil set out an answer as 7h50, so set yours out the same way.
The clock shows 1h06
